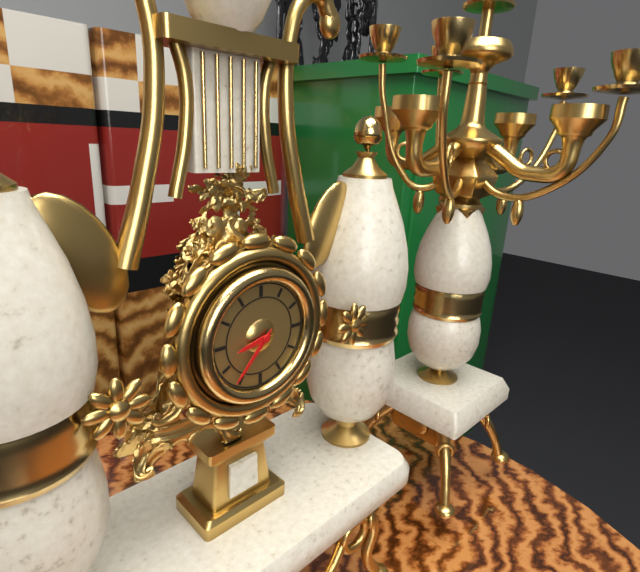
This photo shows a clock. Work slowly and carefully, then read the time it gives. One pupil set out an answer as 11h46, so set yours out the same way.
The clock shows 8h37
